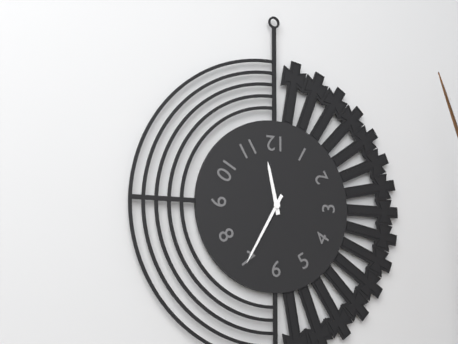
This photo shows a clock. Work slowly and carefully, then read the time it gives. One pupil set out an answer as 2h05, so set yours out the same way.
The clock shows 11h35
